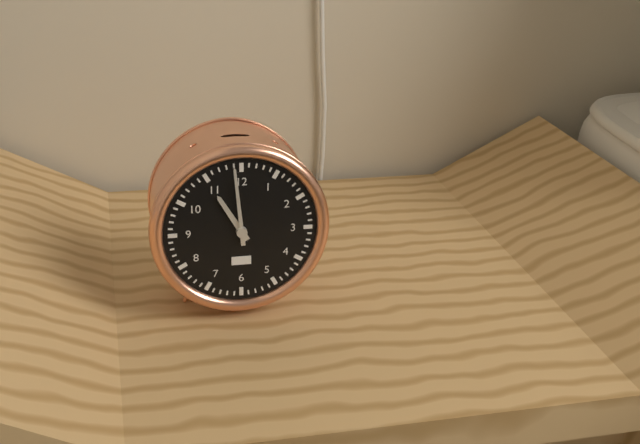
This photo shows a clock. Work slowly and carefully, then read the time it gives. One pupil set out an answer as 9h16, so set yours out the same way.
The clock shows 10h59
